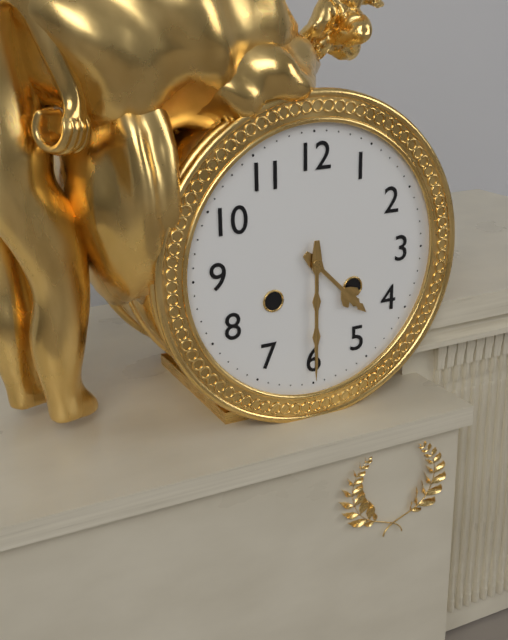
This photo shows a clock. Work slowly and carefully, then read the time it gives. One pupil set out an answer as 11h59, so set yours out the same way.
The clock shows 4h30
